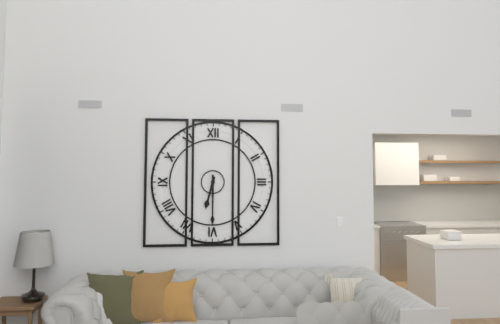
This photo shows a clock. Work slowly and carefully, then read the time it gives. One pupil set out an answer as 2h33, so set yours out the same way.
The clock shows 6h30
